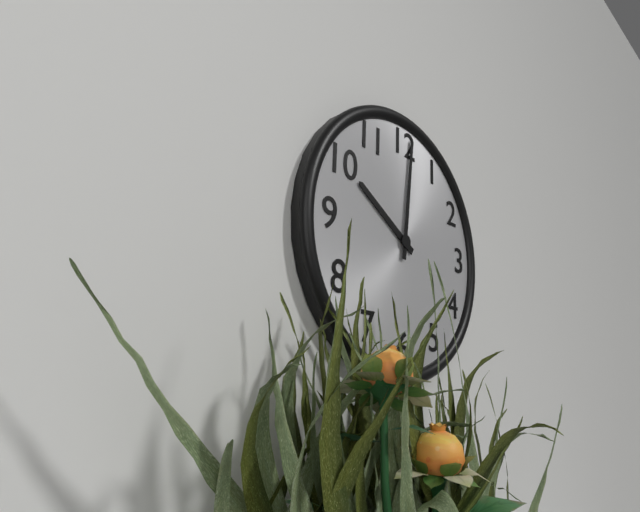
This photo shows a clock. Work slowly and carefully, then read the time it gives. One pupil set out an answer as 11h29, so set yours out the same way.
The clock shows 10h01
